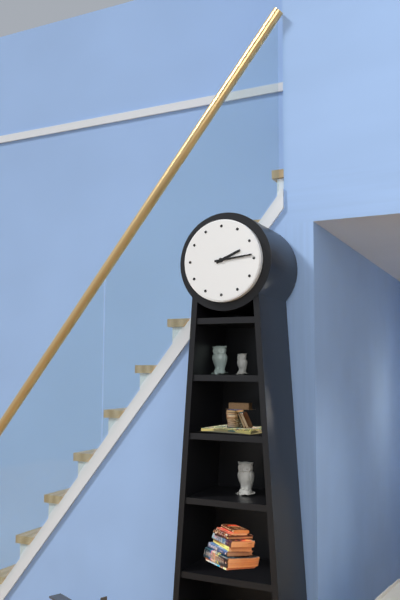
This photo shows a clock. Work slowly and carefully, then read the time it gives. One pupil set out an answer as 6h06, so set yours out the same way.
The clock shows 2h14
